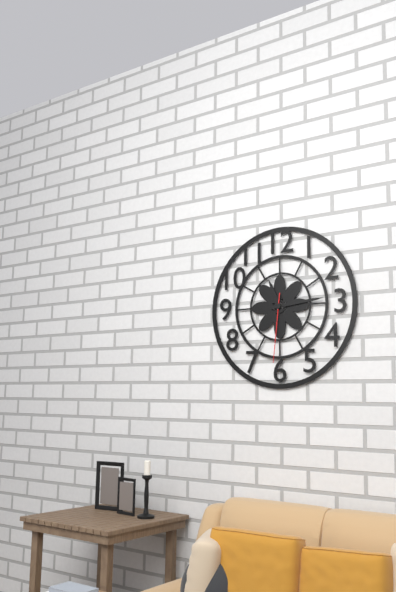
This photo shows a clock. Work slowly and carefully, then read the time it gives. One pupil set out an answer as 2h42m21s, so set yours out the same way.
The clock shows 11h14m31s
